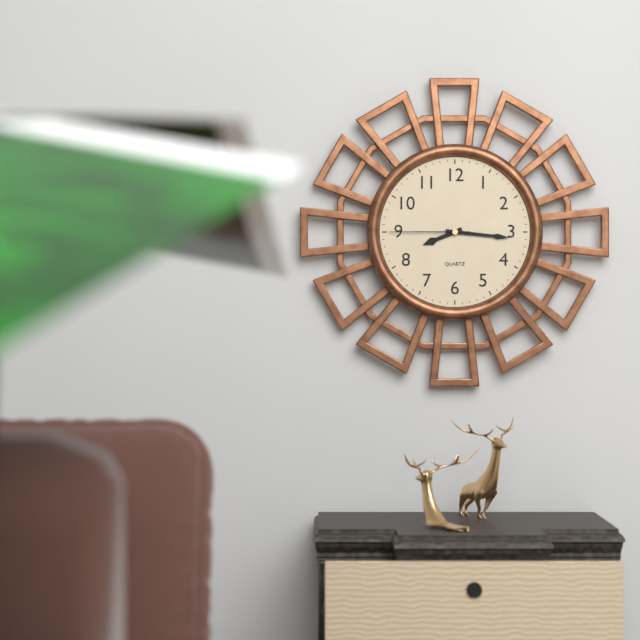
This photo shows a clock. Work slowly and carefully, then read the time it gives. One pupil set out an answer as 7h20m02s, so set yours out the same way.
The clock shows 8h16m45s
